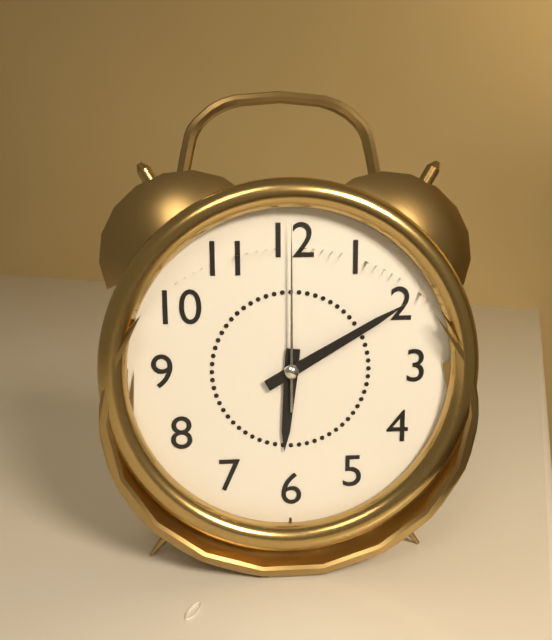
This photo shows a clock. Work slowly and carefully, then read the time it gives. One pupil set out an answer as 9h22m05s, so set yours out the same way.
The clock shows 6h10m00s
